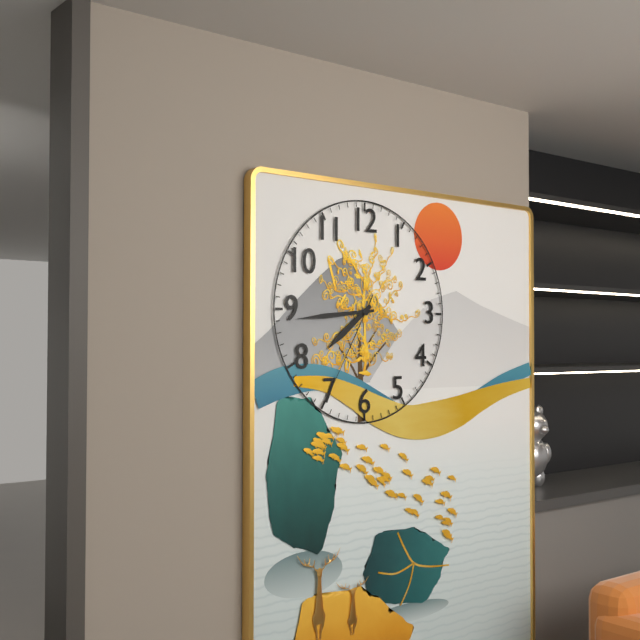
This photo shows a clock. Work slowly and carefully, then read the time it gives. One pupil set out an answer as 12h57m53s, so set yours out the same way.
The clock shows 7h44m35s
